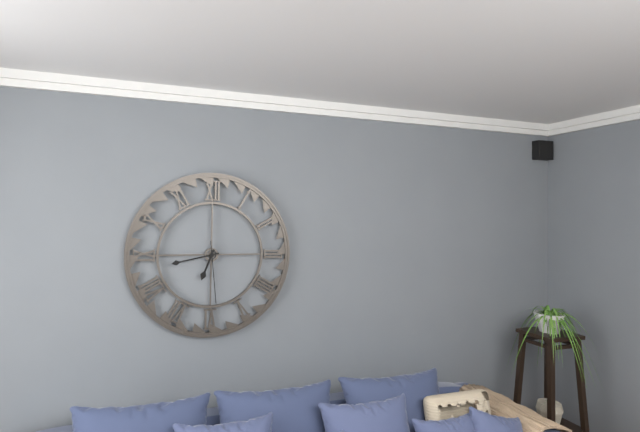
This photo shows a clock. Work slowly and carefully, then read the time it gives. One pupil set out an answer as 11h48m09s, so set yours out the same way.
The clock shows 6h43m29s
